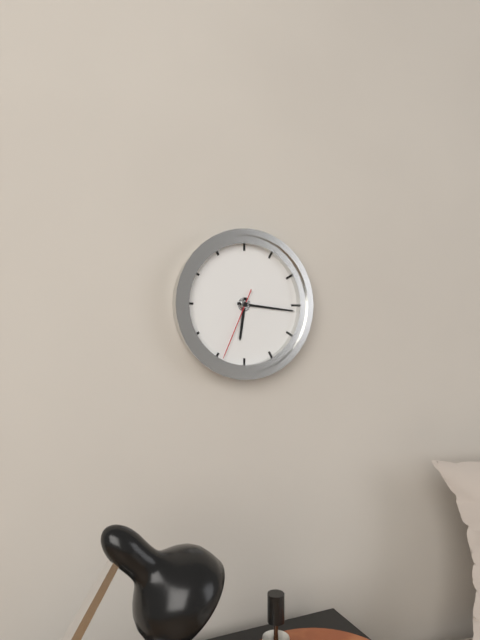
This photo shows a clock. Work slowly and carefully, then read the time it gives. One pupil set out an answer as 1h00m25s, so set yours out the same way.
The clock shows 6h16m34s
